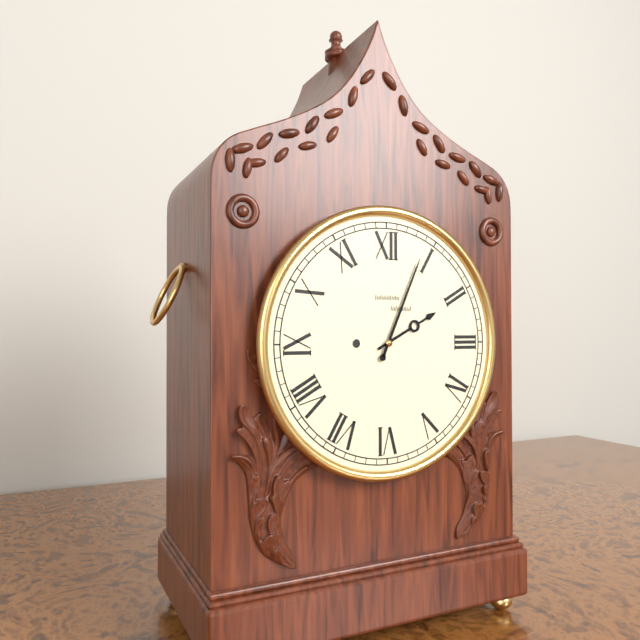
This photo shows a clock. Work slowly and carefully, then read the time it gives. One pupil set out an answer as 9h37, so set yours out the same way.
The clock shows 2h04
